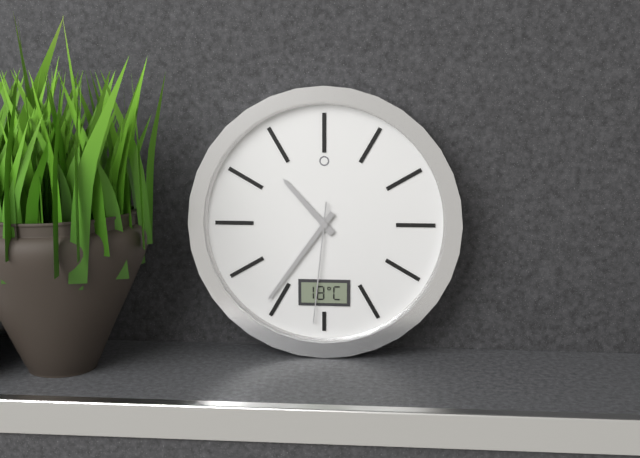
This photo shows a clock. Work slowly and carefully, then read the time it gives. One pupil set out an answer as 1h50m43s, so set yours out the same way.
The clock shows 10h36m31s
